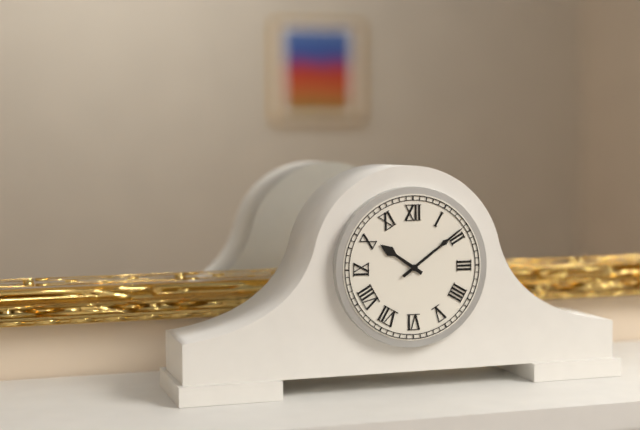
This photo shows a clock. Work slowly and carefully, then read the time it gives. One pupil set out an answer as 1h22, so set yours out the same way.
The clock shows 10h09
